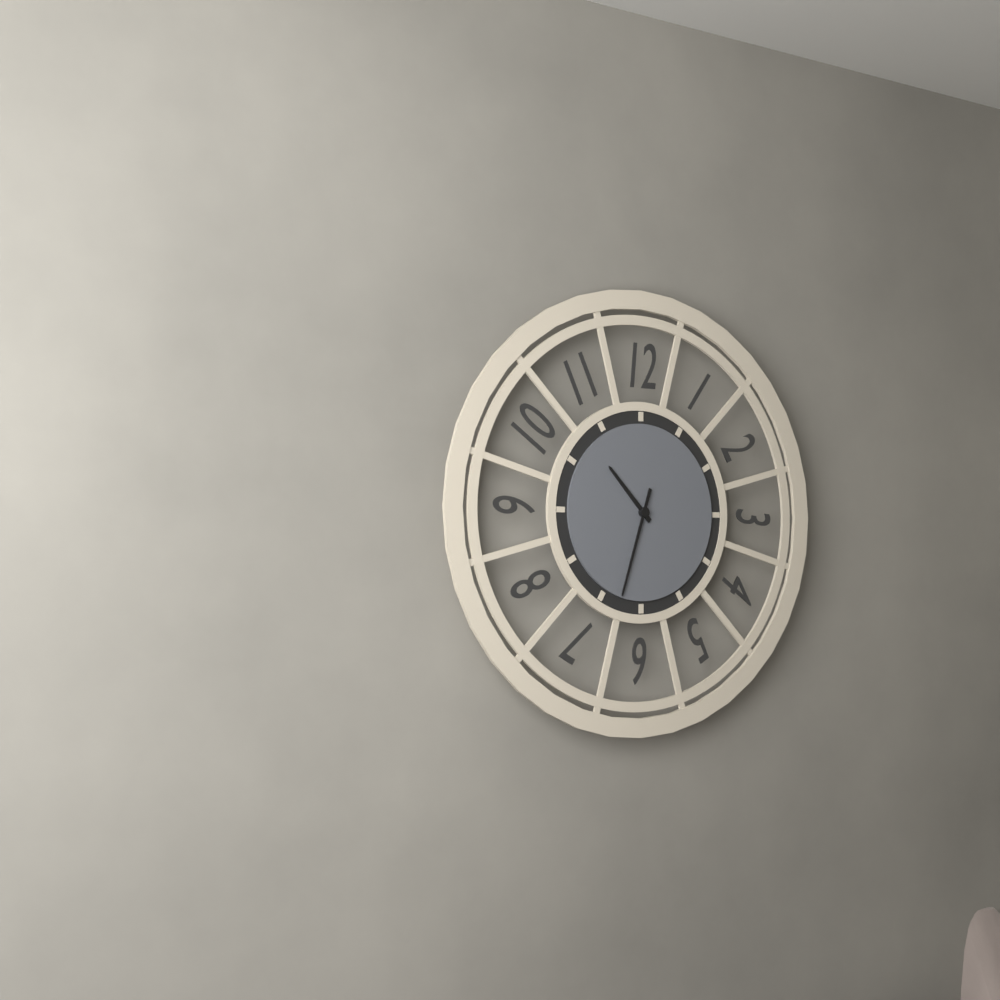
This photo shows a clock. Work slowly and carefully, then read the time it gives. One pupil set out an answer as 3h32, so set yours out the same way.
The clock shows 10h33
